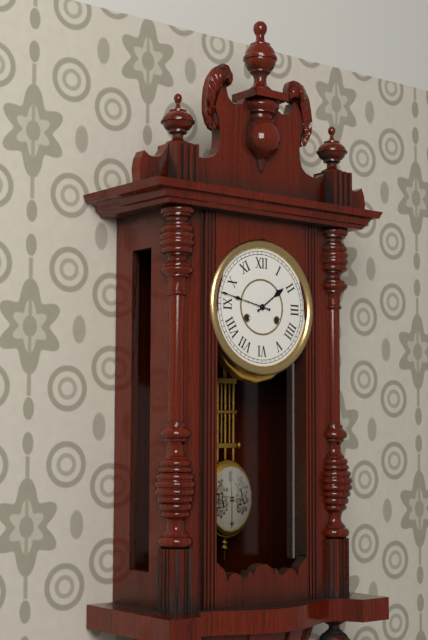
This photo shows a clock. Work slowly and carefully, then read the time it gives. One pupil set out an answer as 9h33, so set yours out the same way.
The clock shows 1h47
